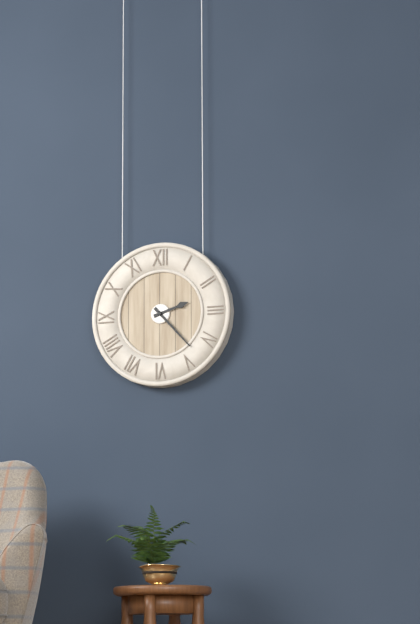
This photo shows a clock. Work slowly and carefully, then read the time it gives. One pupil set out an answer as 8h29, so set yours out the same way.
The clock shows 2h23
